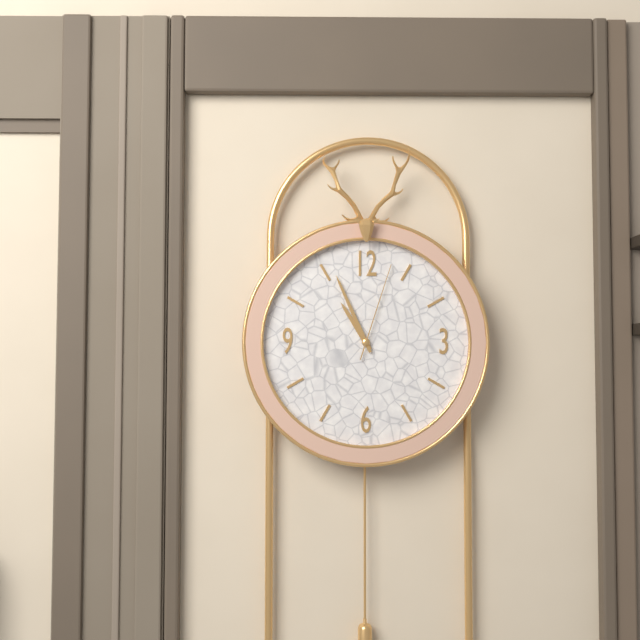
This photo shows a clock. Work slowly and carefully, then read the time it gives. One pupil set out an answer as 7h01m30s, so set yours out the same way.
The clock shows 10h56m03s
